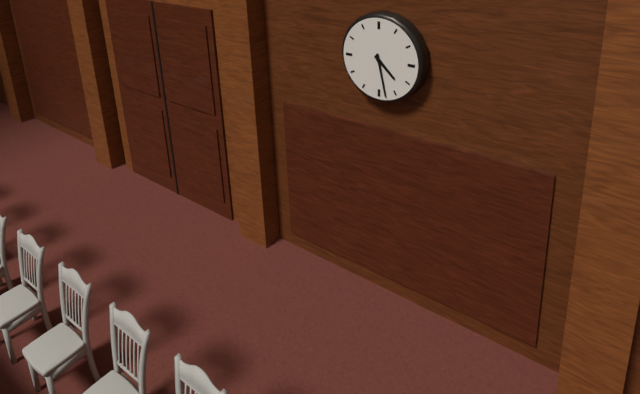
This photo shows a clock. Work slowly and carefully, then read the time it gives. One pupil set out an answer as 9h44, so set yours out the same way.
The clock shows 4h28
